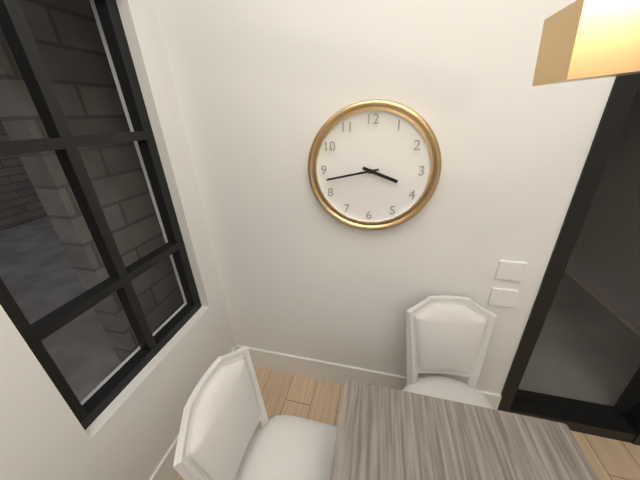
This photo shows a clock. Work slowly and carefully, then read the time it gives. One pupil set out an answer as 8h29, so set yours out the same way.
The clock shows 3h43
